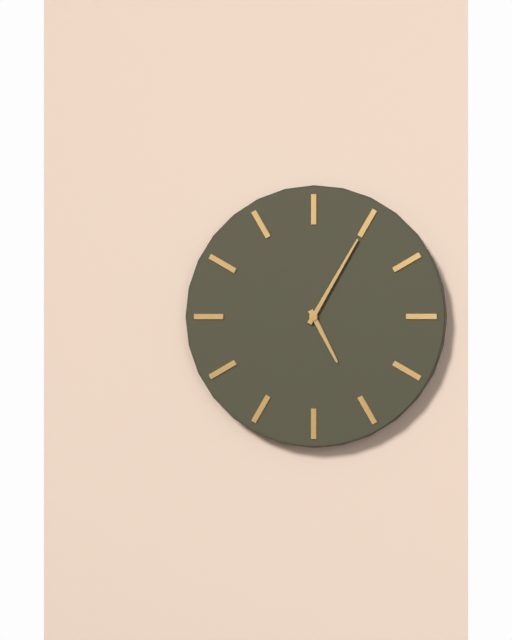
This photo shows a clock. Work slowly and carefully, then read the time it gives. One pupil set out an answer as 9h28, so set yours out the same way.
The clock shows 5h05
